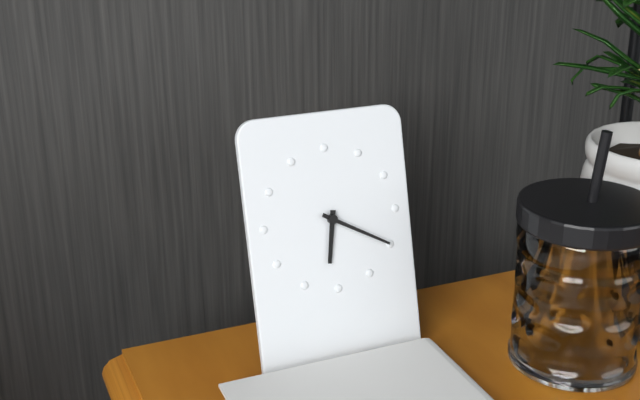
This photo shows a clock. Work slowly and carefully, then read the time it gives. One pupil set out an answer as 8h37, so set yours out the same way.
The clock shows 6h20
